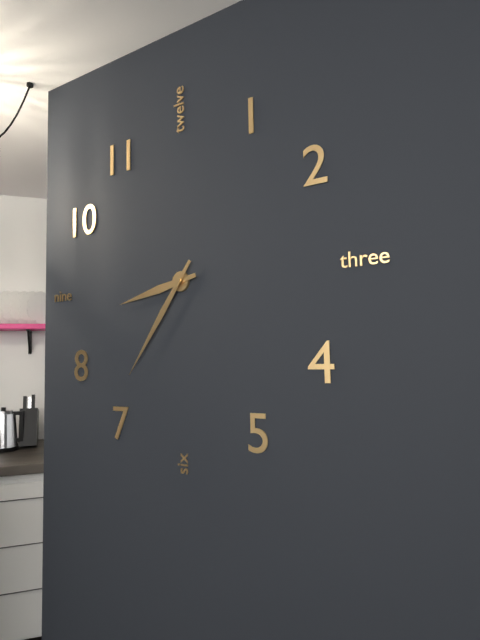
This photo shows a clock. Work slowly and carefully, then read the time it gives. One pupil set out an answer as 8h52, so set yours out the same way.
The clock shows 8h36
